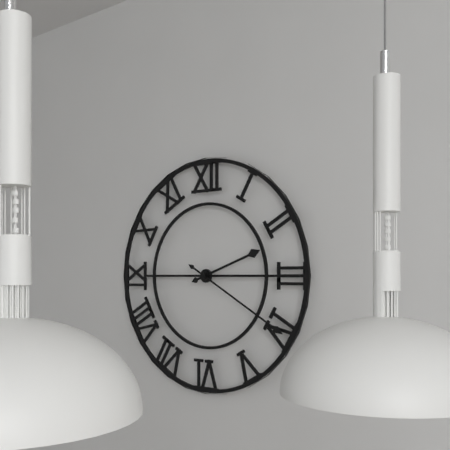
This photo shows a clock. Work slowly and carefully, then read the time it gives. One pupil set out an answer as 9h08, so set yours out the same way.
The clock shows 2h20
